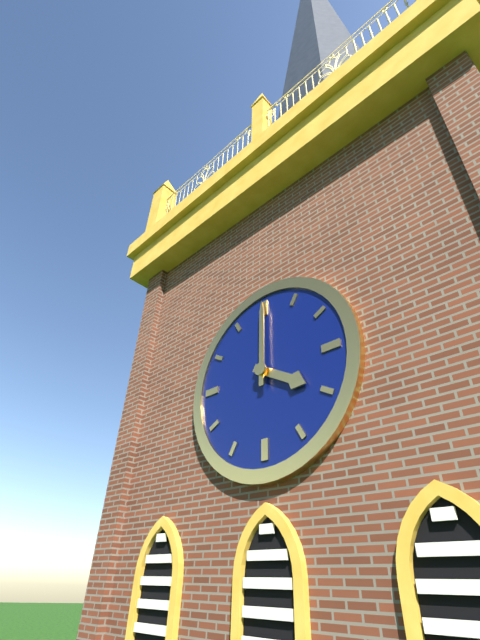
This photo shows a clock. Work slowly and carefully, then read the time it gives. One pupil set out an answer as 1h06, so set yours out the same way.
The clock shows 4h00
